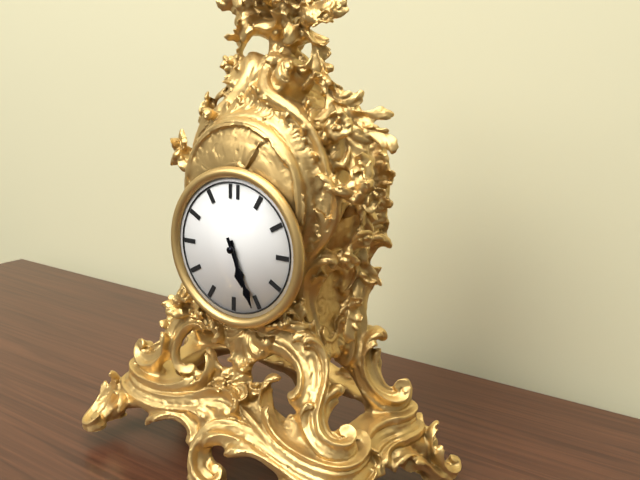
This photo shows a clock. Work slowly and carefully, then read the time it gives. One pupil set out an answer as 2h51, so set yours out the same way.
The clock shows 5h26
